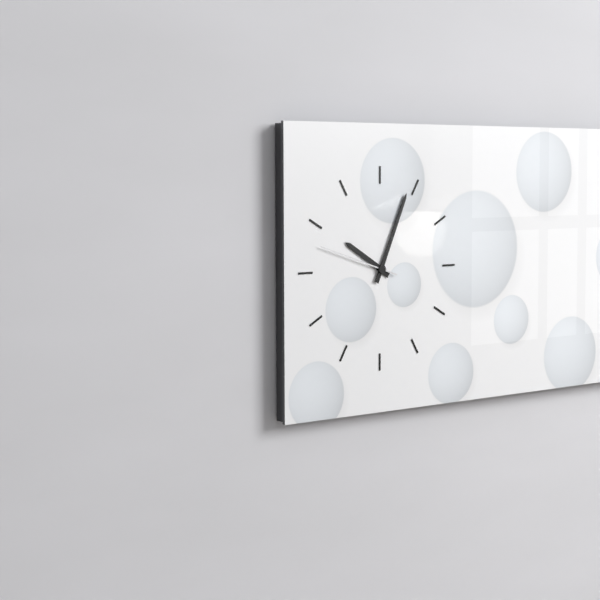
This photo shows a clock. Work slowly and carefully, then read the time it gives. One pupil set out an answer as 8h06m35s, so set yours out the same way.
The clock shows 10h04m48s
